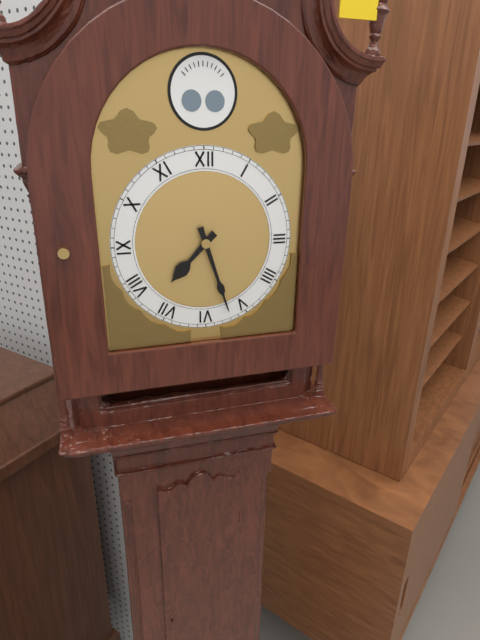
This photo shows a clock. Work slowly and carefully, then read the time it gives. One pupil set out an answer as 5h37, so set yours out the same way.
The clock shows 7h27
